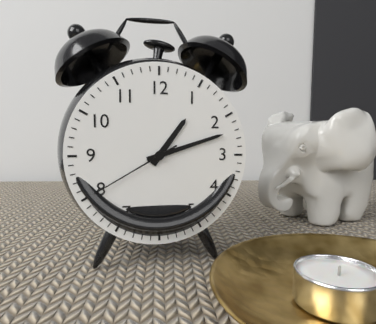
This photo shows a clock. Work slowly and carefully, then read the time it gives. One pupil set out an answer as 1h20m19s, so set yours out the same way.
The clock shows 1h12m40s
